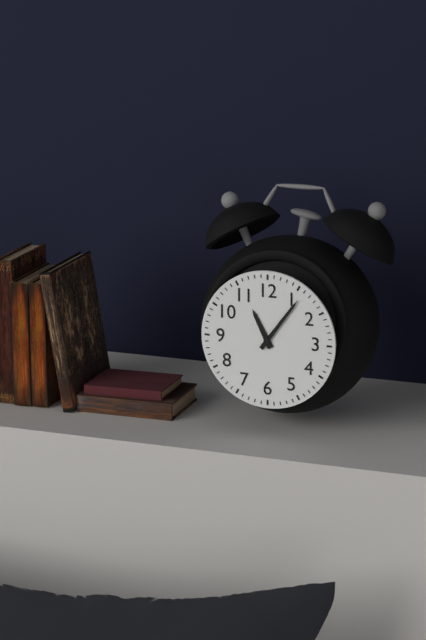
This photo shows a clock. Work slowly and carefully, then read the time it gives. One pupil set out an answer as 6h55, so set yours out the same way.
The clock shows 11h06
